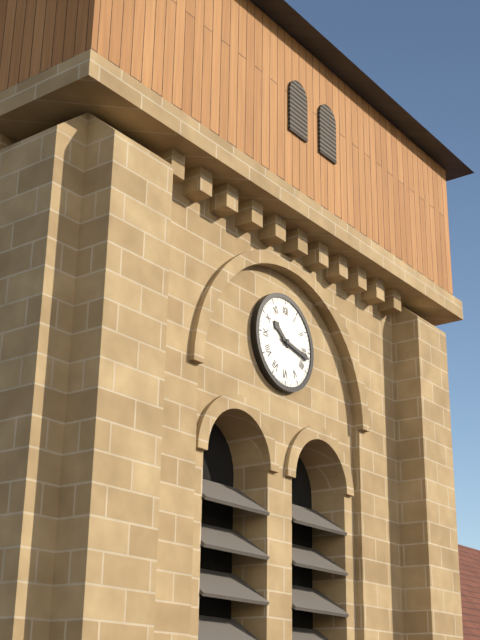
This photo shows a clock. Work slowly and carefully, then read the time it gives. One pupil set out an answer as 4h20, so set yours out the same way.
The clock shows 10h17
